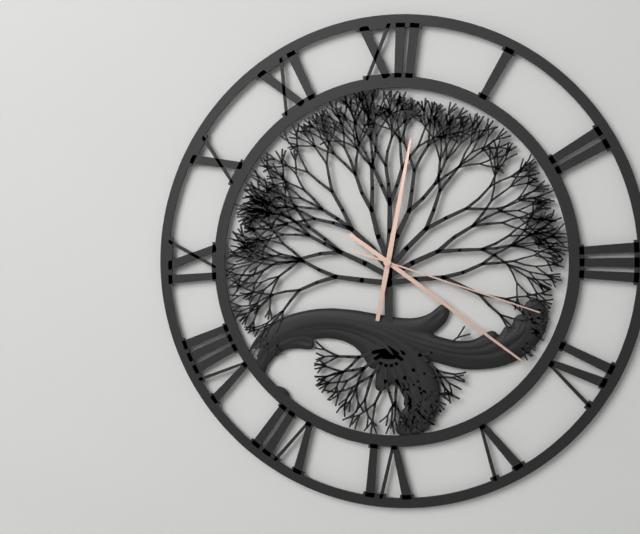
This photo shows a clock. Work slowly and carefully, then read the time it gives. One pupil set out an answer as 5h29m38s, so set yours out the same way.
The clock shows 12h21m18s
